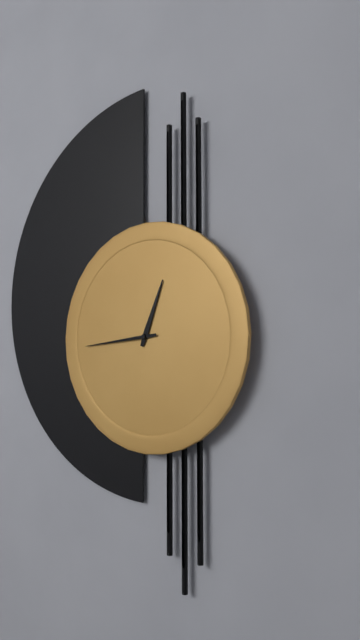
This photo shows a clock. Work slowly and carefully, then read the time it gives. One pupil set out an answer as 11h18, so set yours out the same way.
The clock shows 12h44
